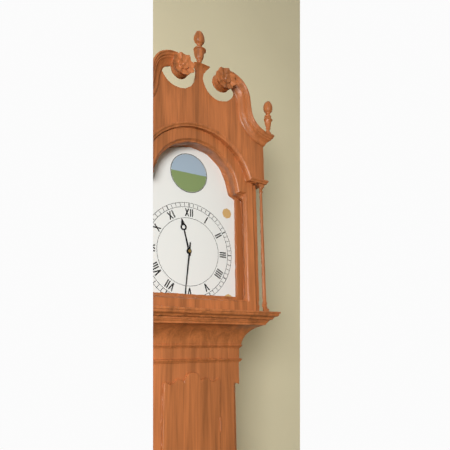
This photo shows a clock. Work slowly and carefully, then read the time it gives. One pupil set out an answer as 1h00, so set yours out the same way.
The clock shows 11h31
